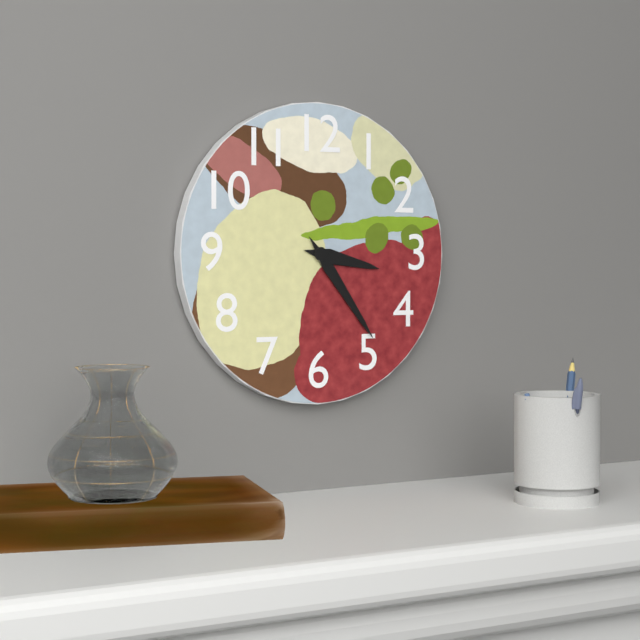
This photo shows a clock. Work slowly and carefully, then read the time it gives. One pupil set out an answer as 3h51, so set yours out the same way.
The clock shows 3h24
